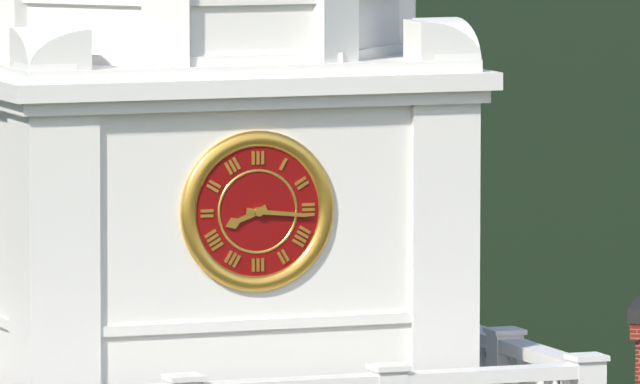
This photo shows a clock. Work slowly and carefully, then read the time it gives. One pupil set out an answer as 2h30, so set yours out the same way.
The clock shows 8h16
